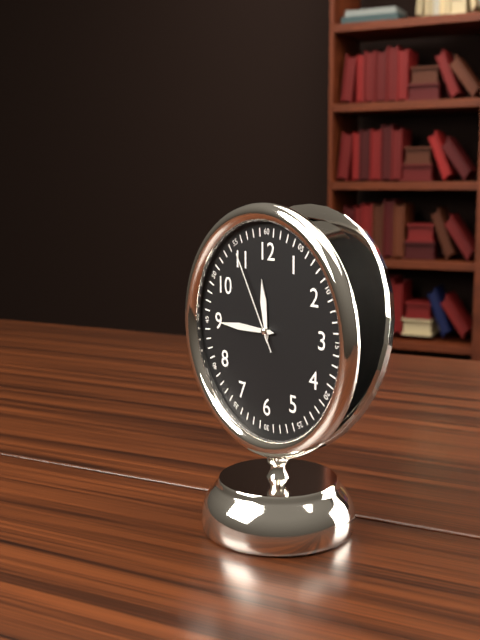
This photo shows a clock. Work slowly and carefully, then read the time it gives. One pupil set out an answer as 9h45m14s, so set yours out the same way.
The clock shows 11h45m55s
